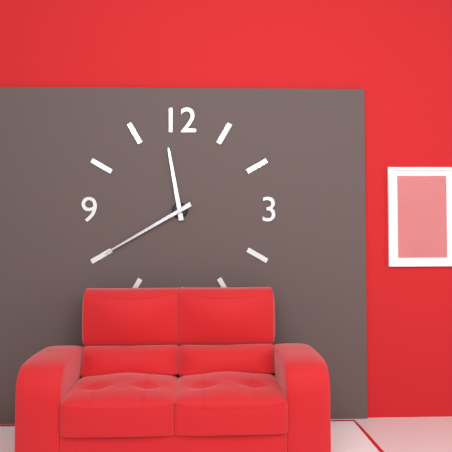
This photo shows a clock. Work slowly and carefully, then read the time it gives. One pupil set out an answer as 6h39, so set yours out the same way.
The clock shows 11h40
